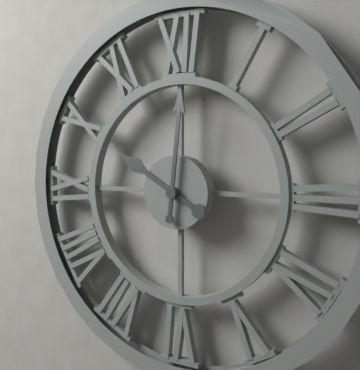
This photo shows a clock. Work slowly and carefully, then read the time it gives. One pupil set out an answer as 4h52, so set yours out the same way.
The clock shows 10h01
